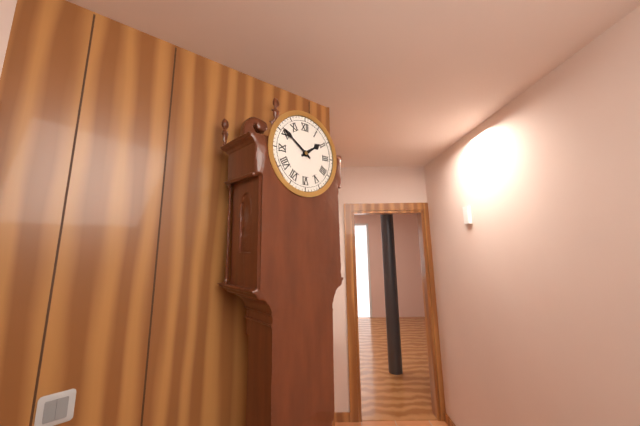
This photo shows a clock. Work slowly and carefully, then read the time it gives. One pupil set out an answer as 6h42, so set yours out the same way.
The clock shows 1h51
